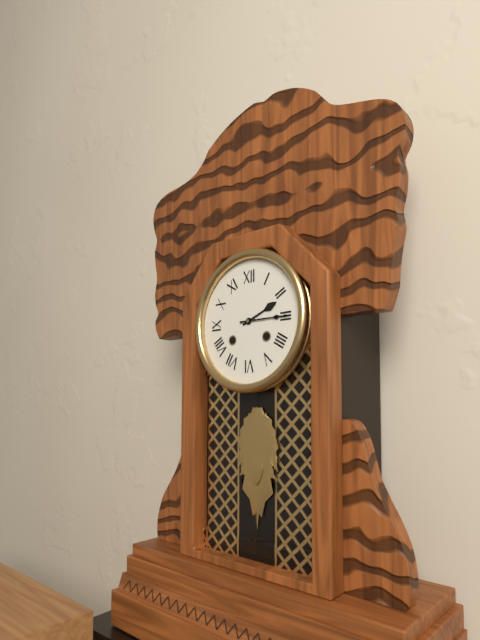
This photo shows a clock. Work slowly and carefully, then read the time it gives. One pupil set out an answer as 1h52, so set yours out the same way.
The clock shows 2h15
